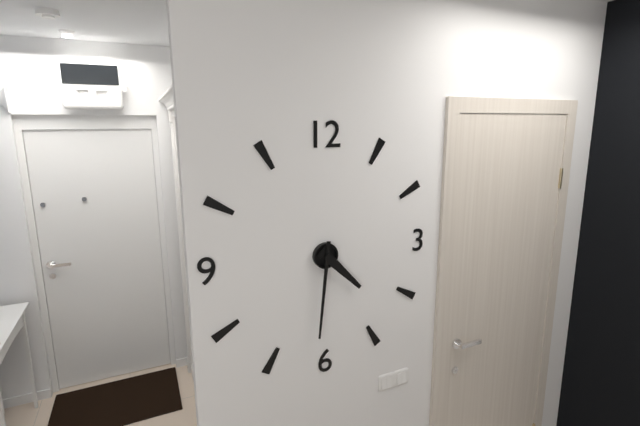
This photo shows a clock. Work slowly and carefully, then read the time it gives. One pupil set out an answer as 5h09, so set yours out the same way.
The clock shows 4h31
